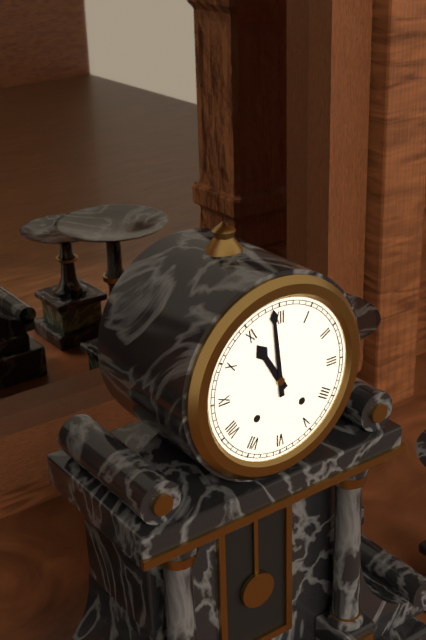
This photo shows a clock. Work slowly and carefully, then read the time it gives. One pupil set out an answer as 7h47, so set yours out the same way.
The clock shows 10h59
